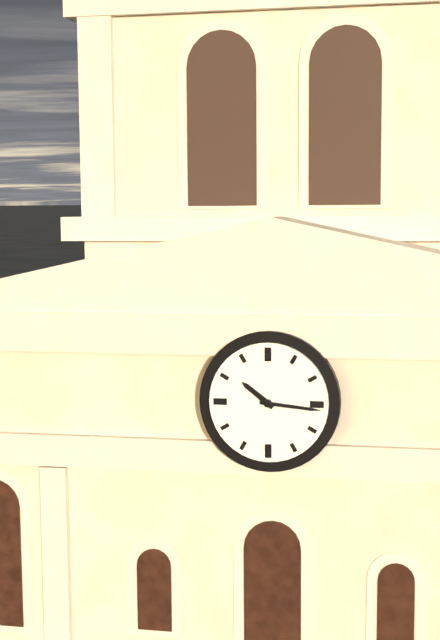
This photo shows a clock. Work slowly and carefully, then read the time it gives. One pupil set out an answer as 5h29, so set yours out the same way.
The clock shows 10h16
